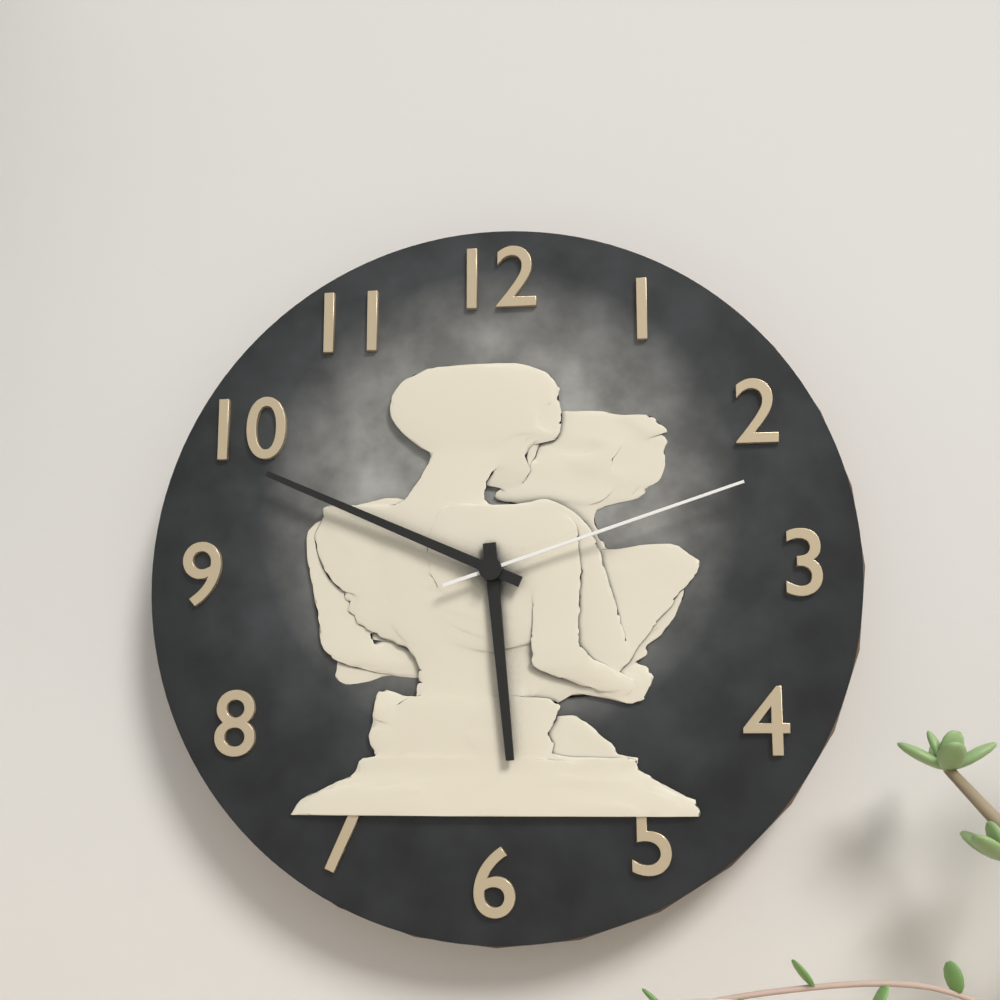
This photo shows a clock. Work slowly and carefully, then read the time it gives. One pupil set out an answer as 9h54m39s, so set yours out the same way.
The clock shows 5h49m12s
